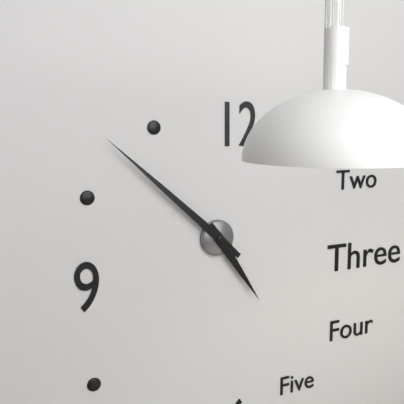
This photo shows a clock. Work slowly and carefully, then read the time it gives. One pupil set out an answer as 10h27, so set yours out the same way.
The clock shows 4h52
